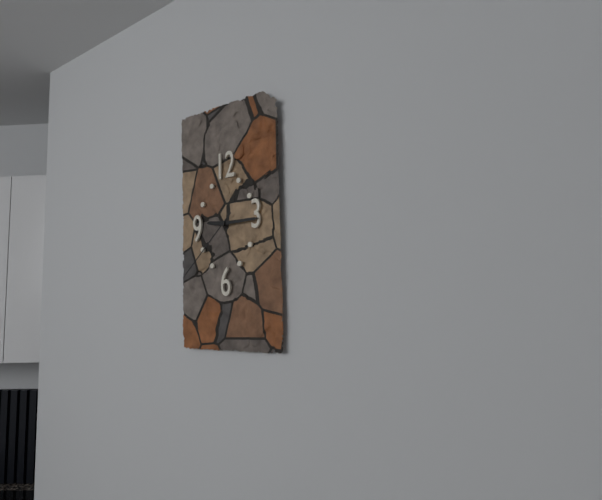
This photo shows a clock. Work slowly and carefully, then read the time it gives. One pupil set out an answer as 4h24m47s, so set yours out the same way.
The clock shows 9h15m38s
